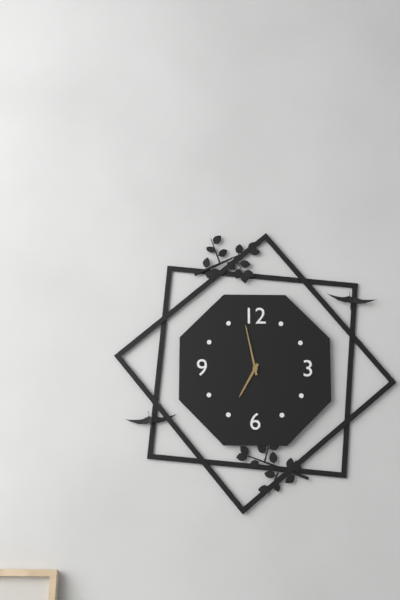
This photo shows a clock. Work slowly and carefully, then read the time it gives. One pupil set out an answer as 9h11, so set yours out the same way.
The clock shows 6h58
